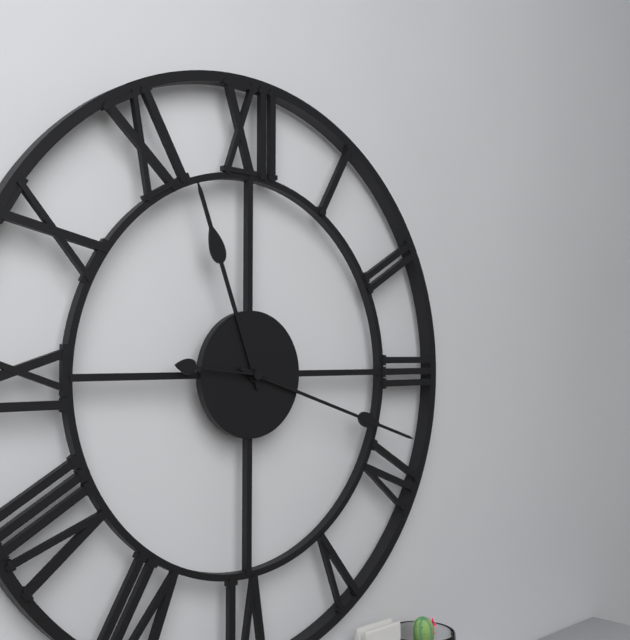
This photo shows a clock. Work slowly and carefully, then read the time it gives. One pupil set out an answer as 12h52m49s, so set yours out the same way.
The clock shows 11h18m46s
